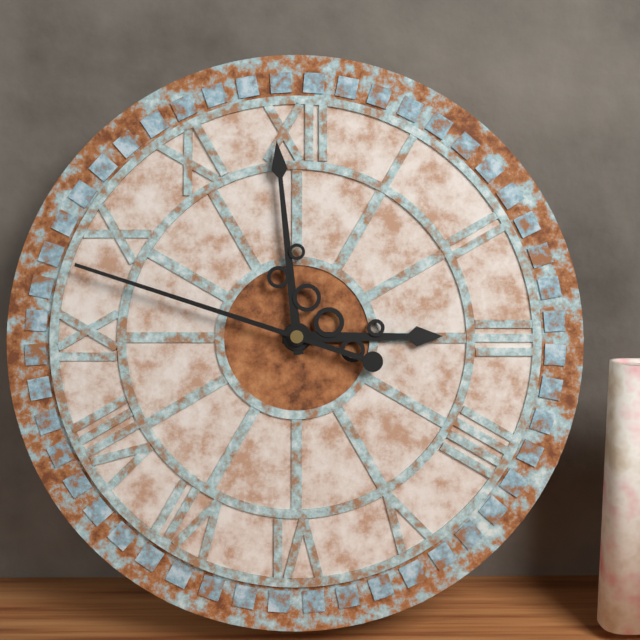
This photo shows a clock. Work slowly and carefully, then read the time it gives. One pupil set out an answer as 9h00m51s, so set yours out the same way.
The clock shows 2h59m48s
